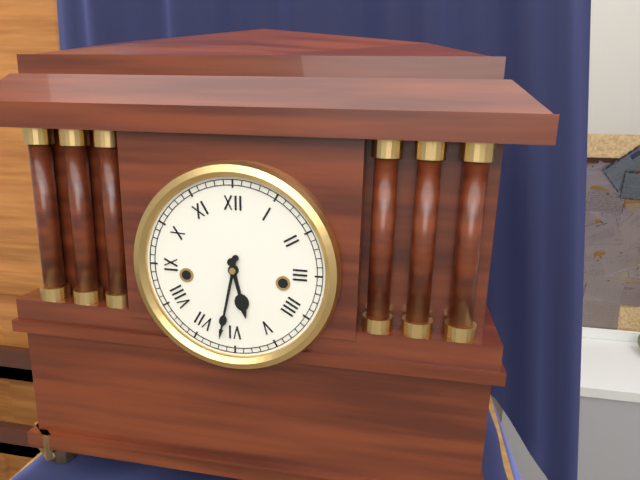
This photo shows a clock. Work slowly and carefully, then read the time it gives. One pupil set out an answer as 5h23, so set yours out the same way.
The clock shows 5h32
